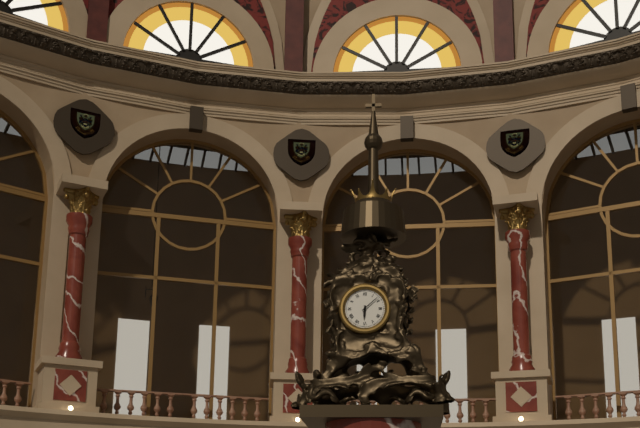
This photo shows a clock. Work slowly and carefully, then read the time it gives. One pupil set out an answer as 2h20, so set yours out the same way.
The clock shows 6h08
